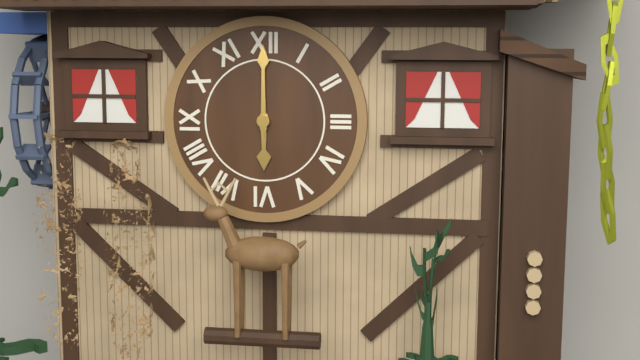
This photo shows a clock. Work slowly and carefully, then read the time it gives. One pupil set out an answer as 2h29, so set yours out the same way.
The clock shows 6h00
